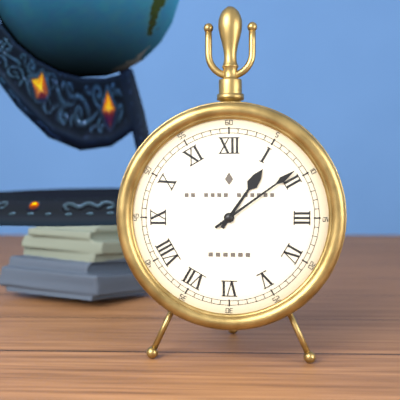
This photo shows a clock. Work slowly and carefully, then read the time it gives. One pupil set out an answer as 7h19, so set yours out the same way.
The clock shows 1h09
